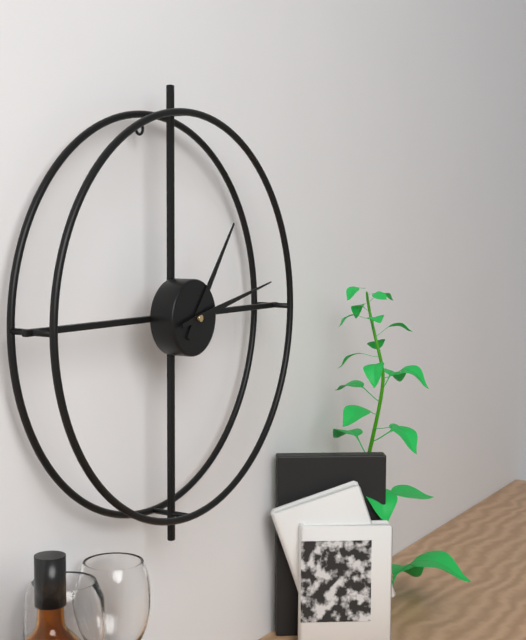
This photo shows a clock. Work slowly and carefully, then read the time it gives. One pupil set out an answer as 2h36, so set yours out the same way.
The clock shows 1h13
